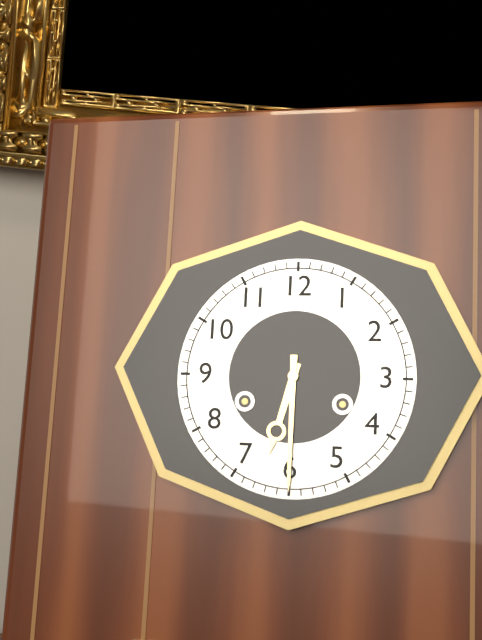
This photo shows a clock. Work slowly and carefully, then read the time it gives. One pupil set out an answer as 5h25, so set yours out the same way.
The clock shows 6h30
